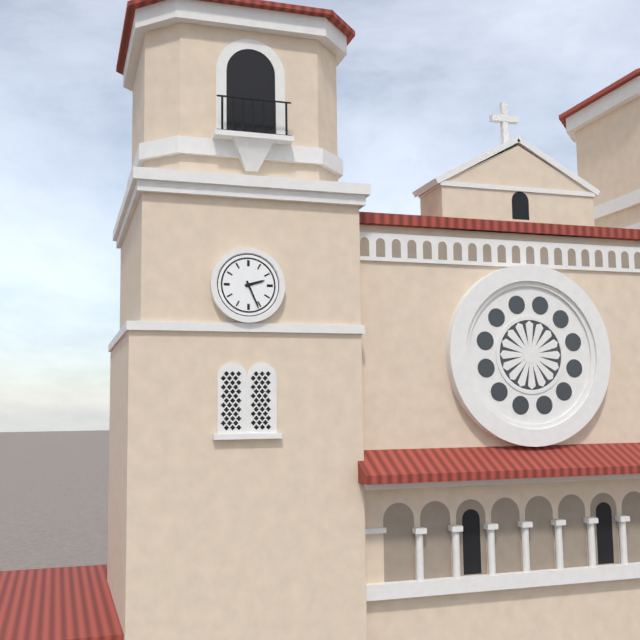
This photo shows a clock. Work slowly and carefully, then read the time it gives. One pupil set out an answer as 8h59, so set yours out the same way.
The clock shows 2h26
